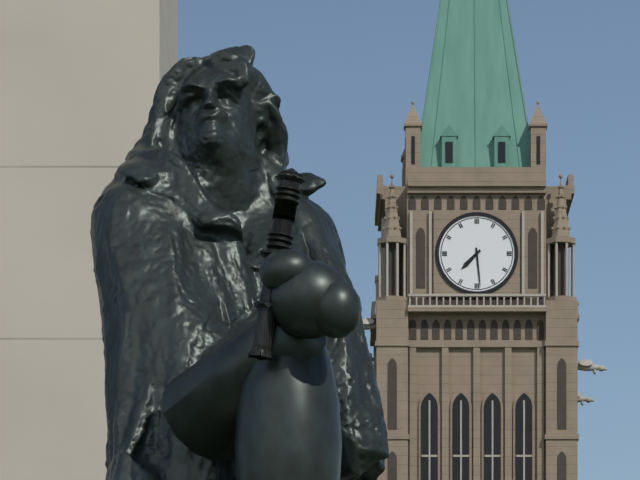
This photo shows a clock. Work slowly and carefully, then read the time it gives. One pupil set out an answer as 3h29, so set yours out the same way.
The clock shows 7h29
